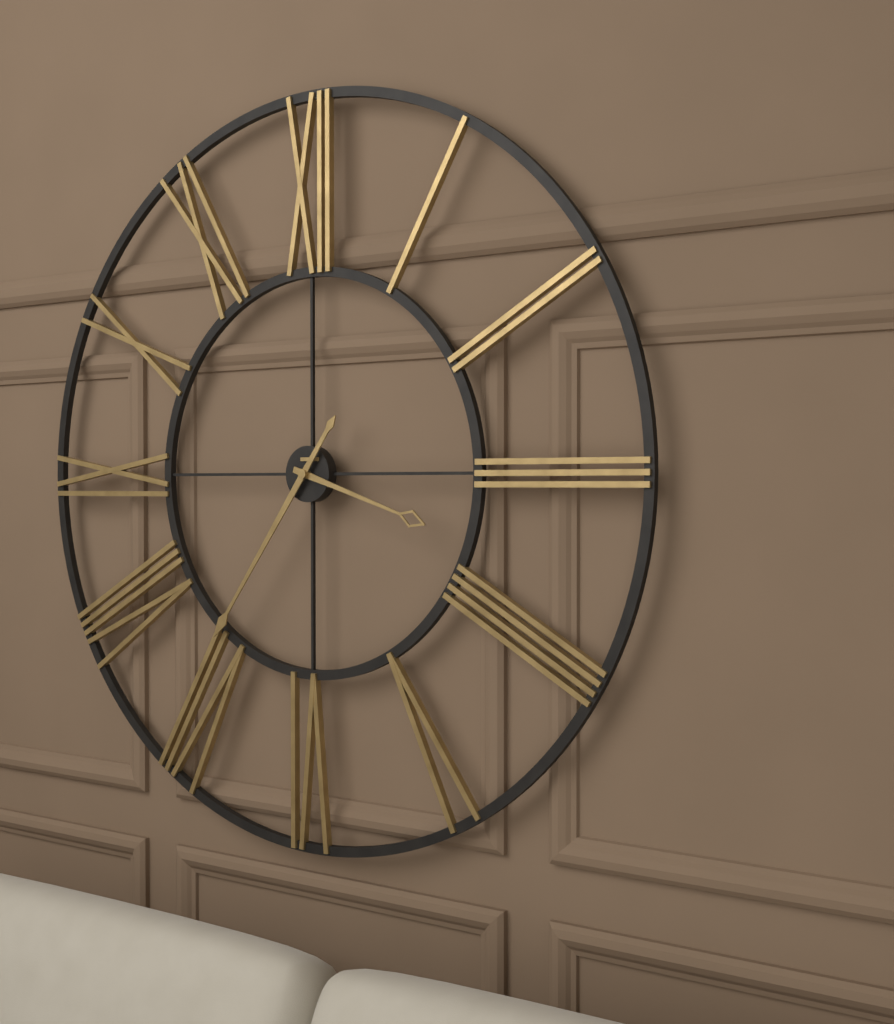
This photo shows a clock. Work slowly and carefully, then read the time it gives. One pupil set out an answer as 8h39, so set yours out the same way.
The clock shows 3h36
